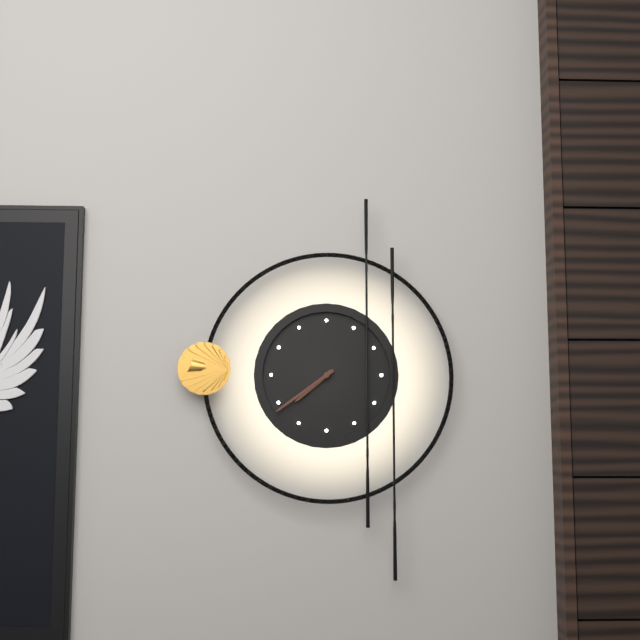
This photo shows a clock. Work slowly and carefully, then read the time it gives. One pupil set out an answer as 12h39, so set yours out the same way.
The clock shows 7h39
